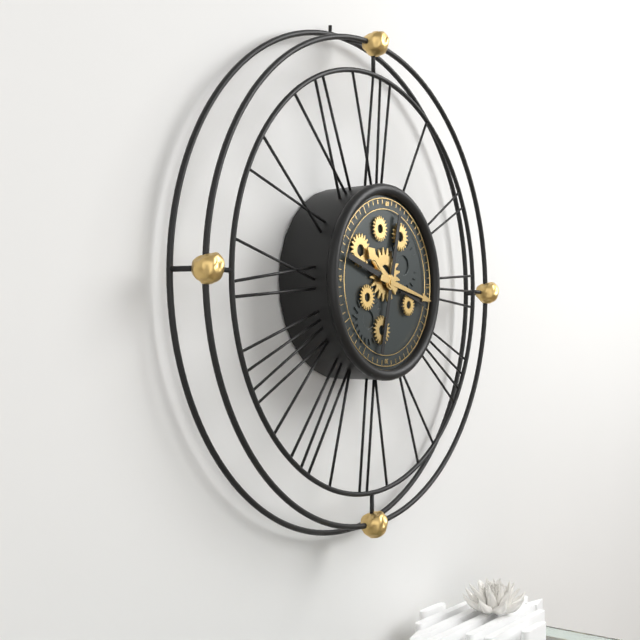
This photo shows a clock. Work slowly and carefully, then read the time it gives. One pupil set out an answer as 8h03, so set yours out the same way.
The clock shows 10h17
